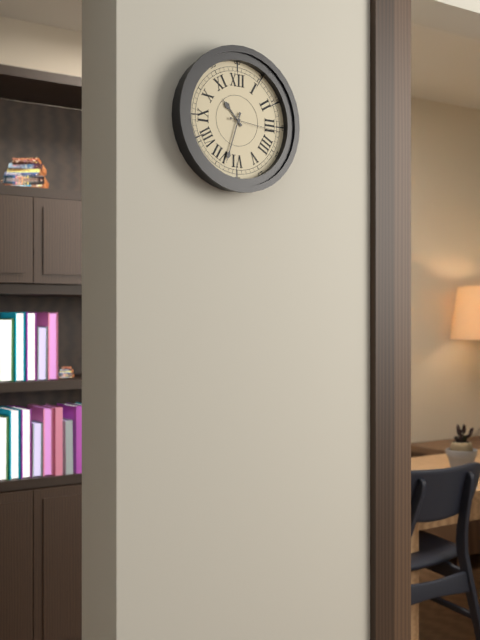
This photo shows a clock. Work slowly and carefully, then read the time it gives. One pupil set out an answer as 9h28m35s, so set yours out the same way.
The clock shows 10h33m16s
